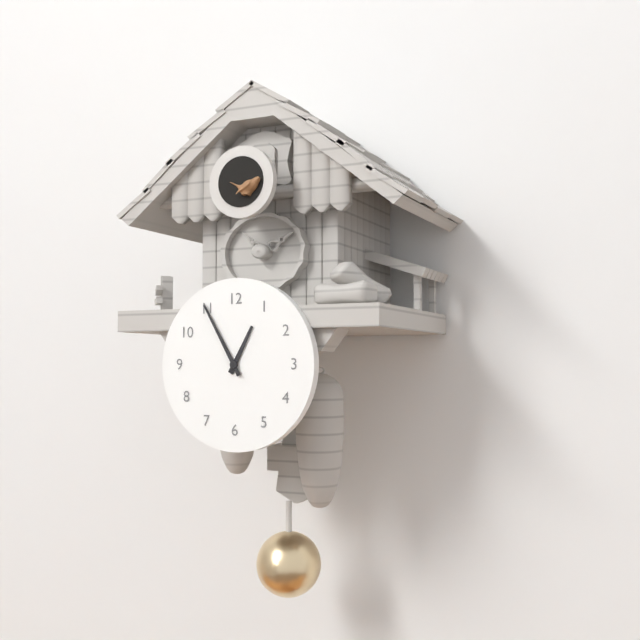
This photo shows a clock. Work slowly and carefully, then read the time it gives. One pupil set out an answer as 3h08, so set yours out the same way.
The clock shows 12h55
